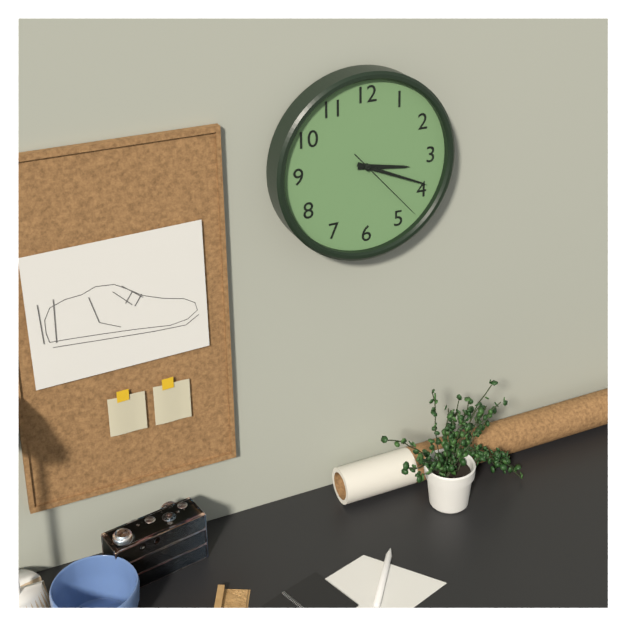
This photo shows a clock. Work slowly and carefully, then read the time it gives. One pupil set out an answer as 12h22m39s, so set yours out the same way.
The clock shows 3h19m23s
